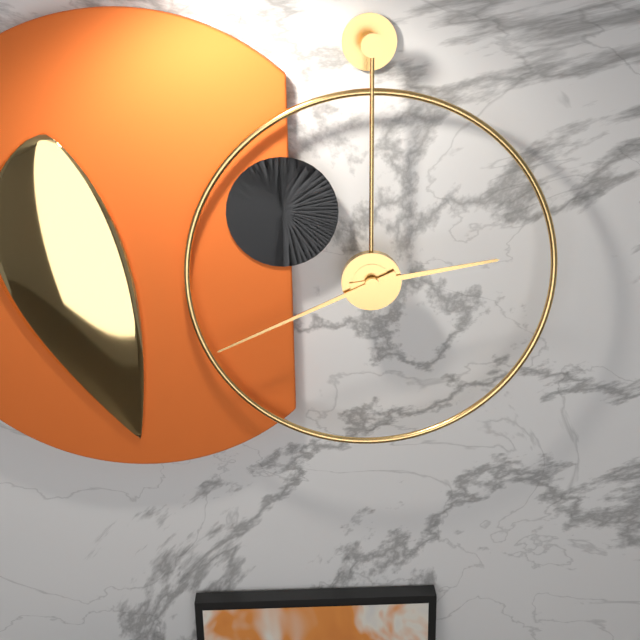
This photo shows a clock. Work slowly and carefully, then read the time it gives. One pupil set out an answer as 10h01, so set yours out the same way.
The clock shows 2h41
